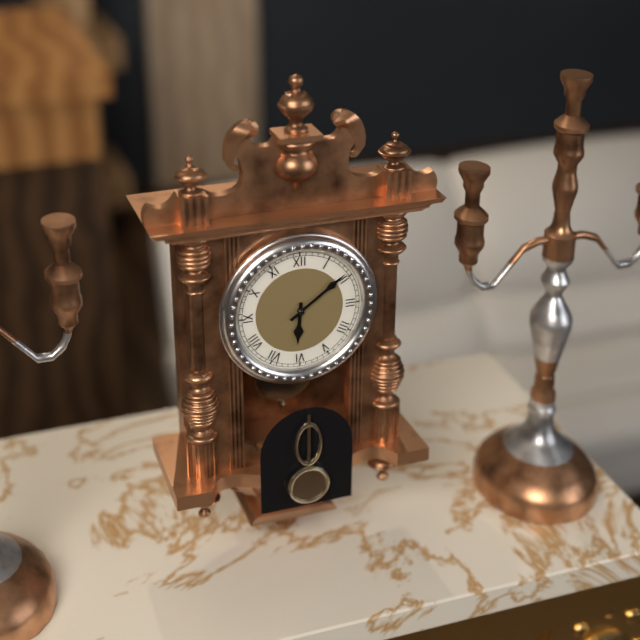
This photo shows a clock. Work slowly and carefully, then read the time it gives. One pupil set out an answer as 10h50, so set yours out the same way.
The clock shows 6h09
